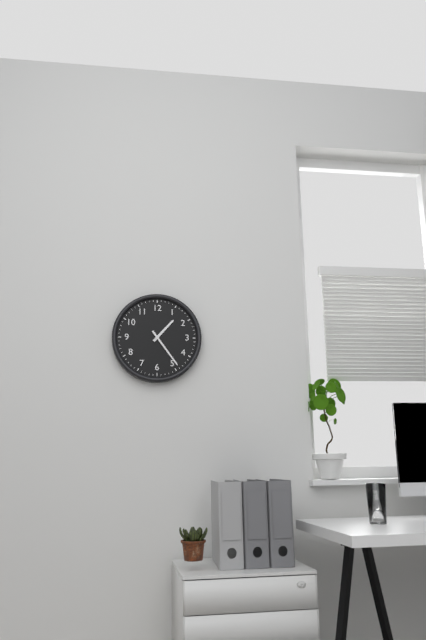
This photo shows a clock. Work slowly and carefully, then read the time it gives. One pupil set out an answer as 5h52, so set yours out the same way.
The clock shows 1h24
